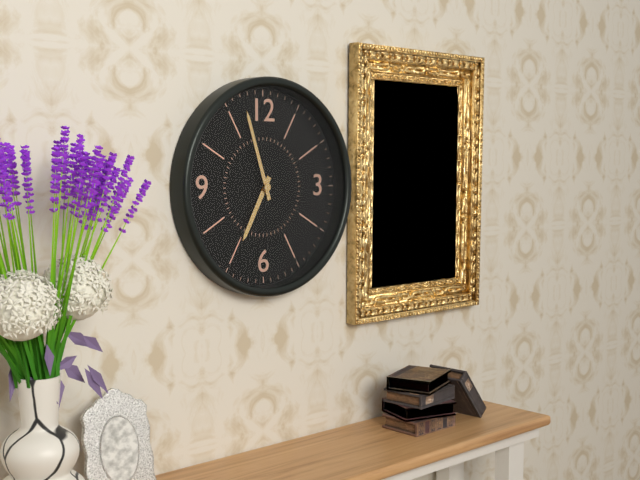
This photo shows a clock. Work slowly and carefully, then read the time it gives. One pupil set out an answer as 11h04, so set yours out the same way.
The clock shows 6h57
